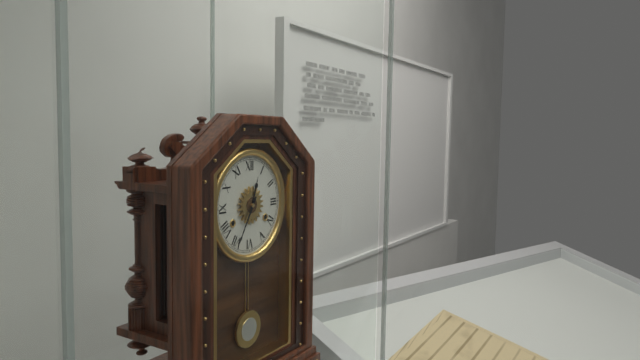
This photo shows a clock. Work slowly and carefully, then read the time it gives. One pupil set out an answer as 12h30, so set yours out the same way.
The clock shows 12h35
